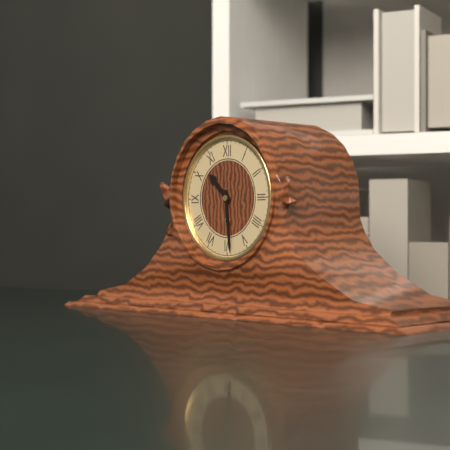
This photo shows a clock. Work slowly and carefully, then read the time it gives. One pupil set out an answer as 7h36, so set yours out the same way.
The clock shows 10h29
